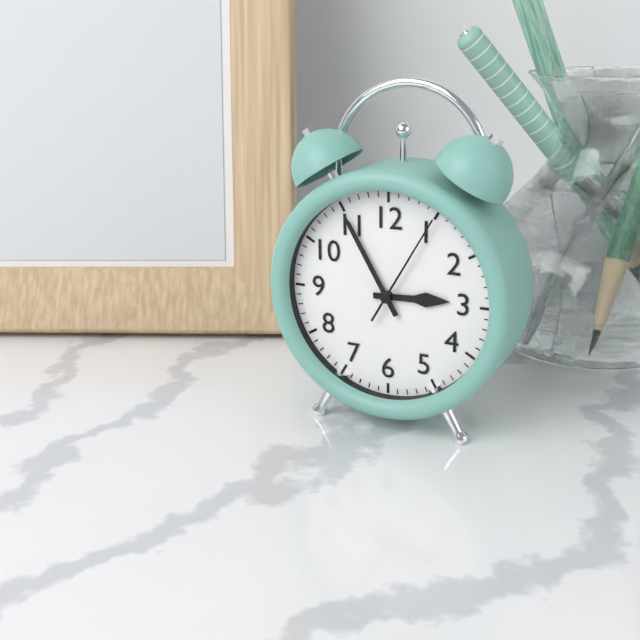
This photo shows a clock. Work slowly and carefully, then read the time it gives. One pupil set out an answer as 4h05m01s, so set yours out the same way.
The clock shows 2h55m05s
